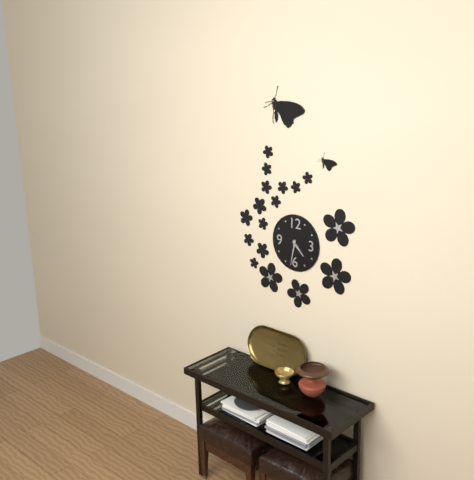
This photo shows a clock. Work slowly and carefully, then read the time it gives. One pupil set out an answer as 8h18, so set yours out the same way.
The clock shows 4h32
